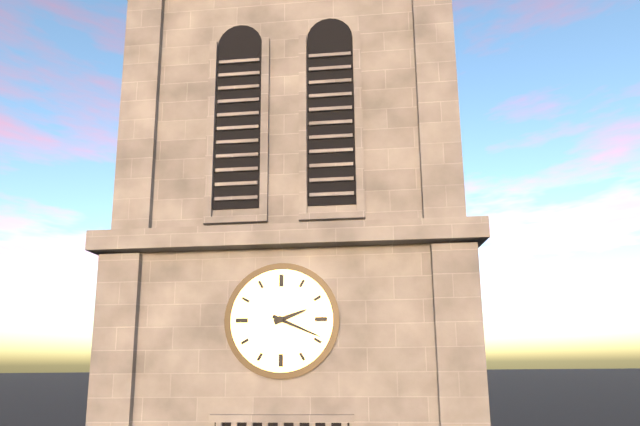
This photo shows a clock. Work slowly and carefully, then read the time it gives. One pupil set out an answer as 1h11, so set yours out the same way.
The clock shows 2h19
